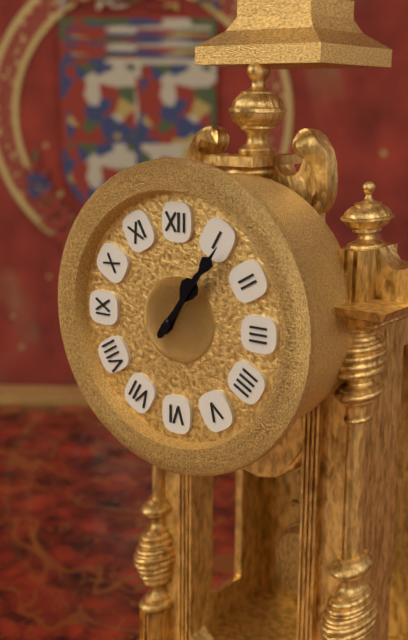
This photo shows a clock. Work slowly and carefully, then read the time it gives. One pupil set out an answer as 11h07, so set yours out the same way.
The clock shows 1h06
